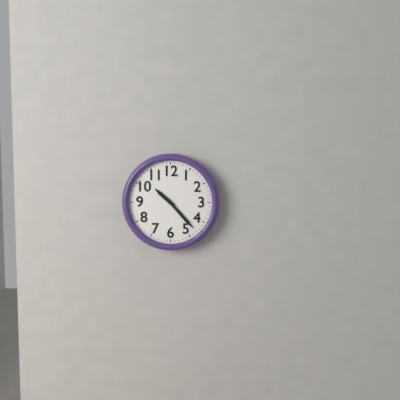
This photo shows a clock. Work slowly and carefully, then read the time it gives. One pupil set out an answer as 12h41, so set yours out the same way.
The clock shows 10h23
